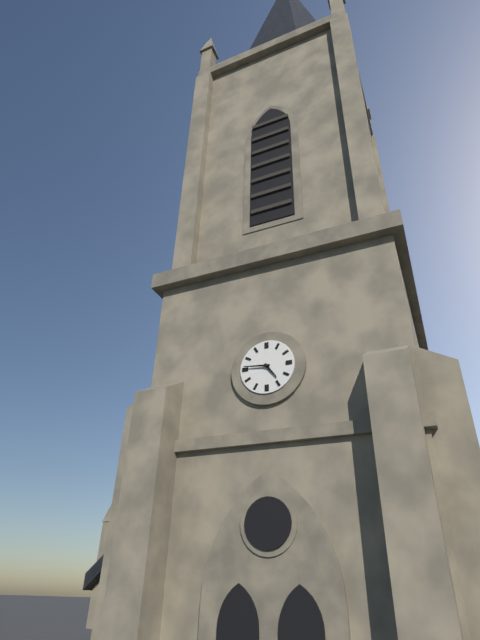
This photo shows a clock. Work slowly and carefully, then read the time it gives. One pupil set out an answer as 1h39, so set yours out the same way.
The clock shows 4h46
